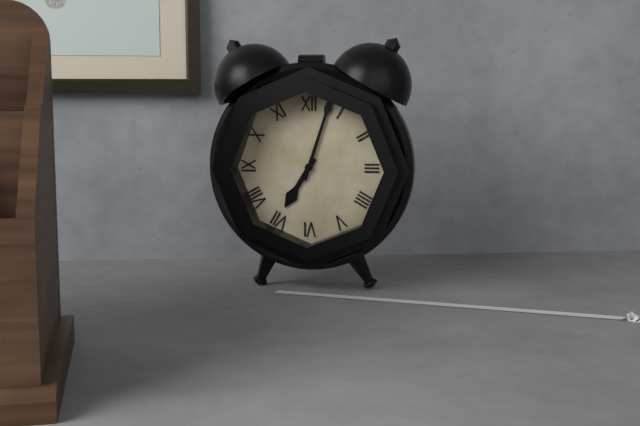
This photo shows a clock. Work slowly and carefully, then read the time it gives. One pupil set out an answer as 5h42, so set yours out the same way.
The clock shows 7h03
